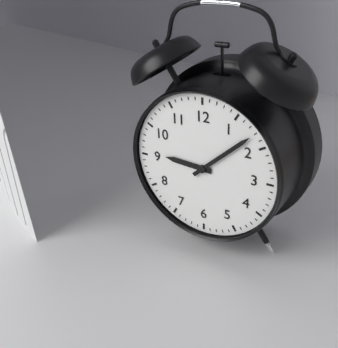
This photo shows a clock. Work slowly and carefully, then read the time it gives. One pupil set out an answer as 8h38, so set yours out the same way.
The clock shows 9h08
